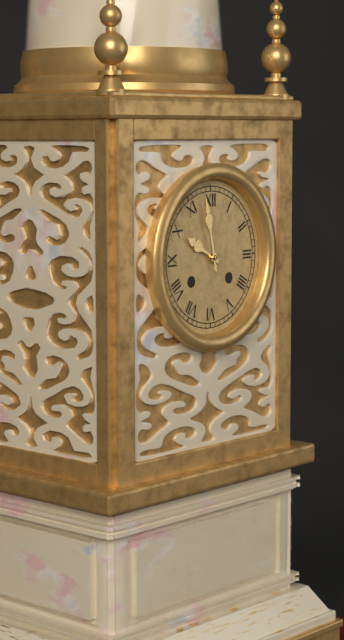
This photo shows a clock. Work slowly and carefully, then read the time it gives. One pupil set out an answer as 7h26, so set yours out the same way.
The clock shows 9h58
